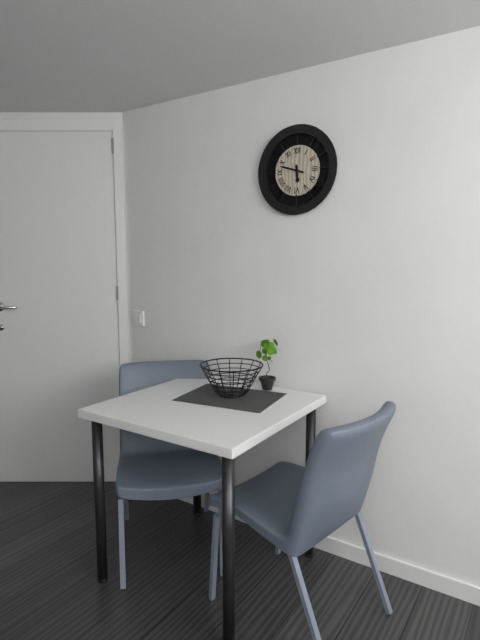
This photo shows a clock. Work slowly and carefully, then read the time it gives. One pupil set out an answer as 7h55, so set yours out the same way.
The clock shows 5h48
